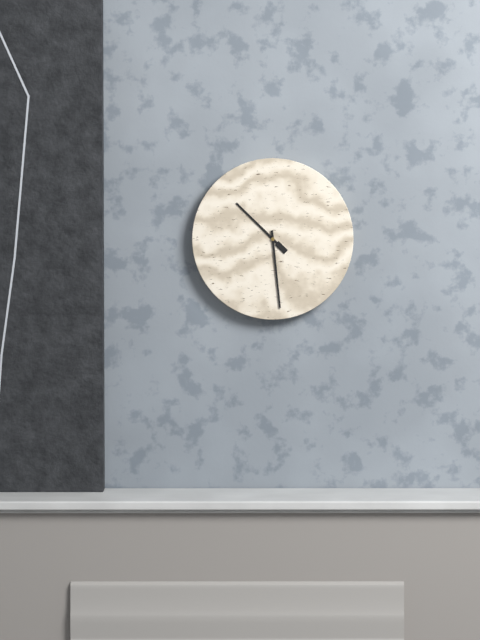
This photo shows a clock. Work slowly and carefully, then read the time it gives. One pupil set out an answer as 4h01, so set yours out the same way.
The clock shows 10h29
